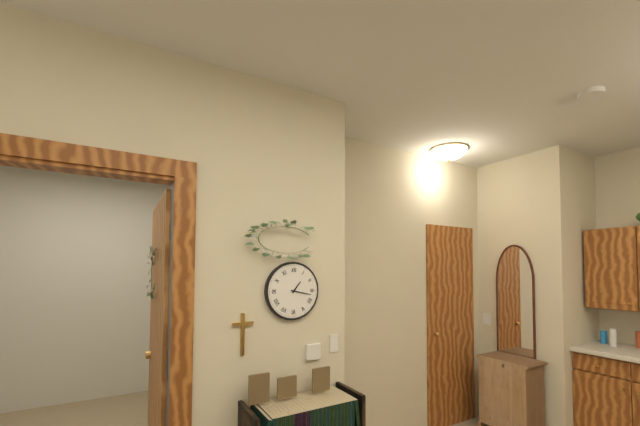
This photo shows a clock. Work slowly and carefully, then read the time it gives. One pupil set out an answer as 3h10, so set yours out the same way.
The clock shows 1h17
